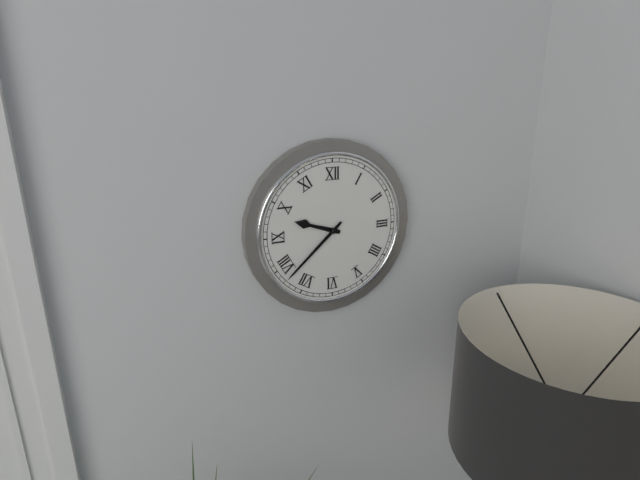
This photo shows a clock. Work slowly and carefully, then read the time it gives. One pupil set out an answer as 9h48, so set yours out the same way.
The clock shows 9h38
